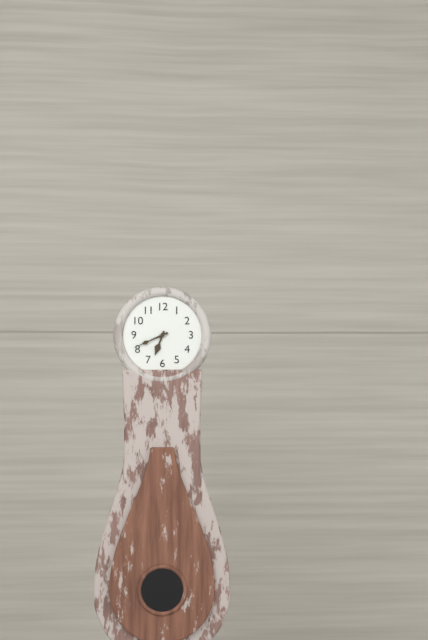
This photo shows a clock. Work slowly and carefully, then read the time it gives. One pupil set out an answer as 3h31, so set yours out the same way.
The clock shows 6h41
